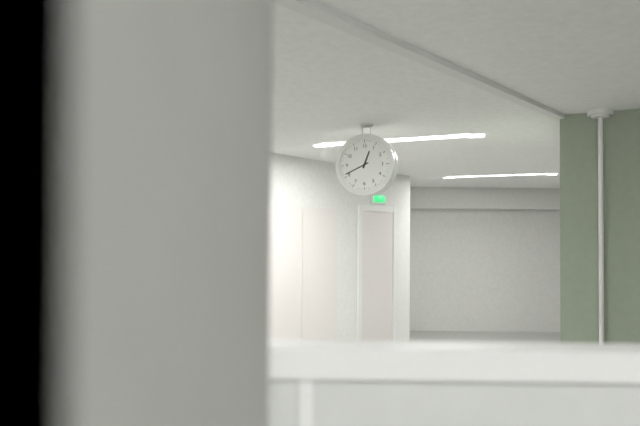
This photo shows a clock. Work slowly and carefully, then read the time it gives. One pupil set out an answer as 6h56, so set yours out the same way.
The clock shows 12h41
